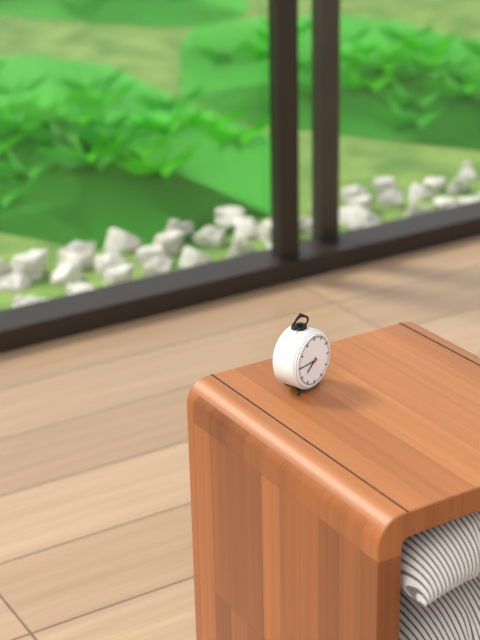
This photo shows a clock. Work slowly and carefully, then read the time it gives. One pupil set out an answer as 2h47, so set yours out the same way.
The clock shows 7h45
